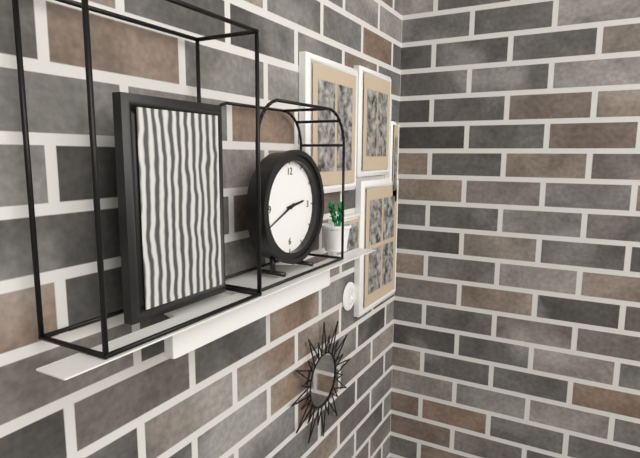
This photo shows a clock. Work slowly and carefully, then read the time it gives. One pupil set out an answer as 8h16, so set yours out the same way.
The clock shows 2h41
